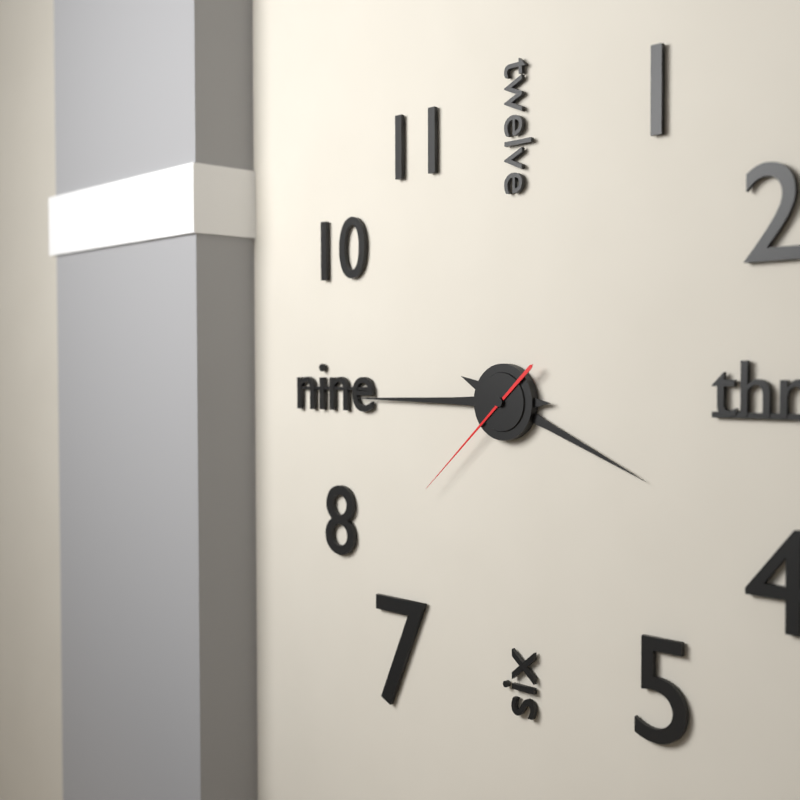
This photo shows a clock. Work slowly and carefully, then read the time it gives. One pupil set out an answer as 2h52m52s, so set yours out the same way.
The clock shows 3h45m38s
